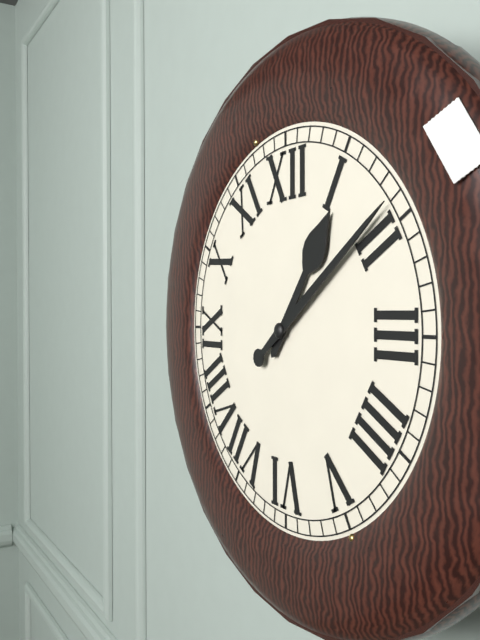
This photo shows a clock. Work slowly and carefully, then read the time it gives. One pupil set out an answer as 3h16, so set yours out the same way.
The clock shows 1h09
